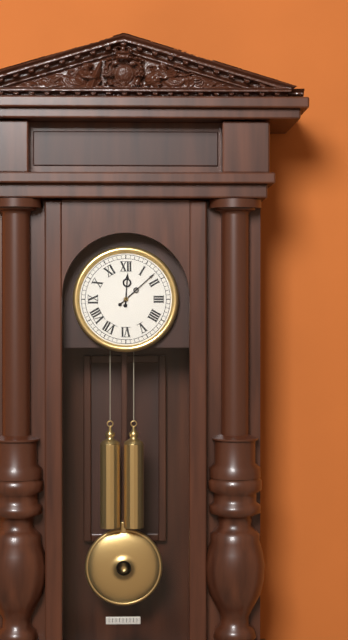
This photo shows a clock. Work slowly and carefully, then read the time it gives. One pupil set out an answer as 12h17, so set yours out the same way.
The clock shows 12h08
